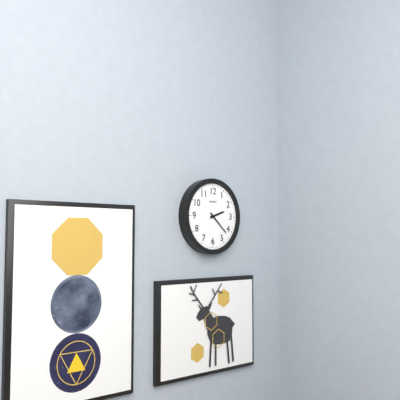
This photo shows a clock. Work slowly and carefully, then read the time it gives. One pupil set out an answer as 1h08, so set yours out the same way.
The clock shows 2h22
